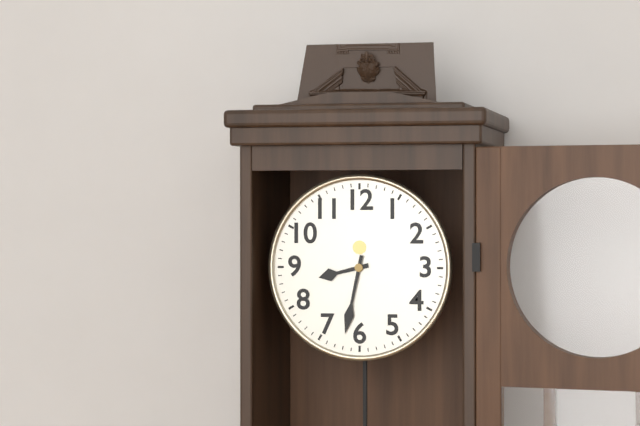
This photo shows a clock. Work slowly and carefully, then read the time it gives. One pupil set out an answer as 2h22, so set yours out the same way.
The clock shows 8h32
